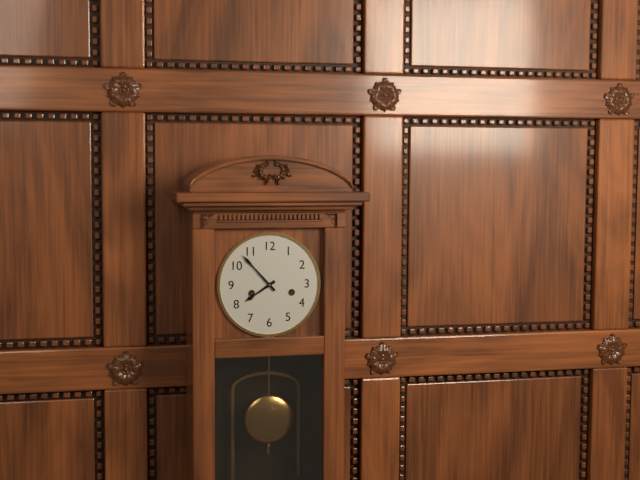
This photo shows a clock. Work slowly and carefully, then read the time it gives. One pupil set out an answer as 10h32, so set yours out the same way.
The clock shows 7h53
